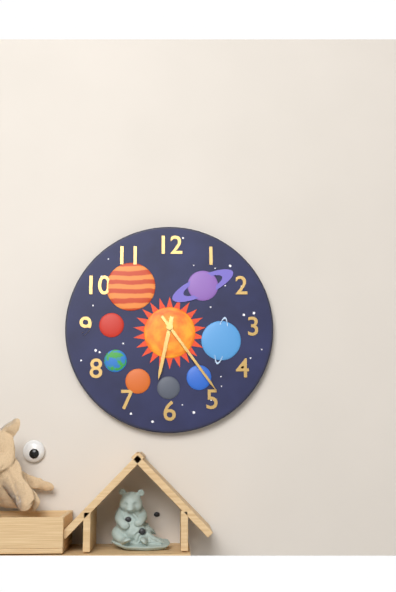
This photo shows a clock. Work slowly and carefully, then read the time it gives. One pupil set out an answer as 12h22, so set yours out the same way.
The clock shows 6h24
